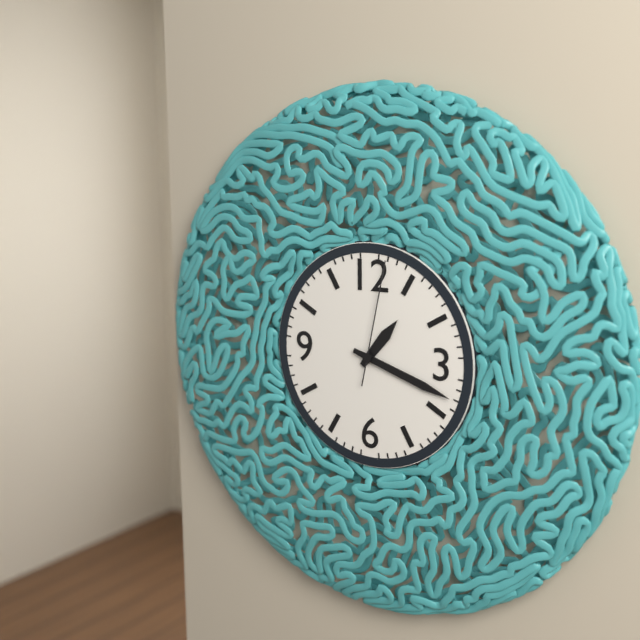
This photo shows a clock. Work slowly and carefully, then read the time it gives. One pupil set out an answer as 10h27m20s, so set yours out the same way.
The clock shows 1h18m02s
